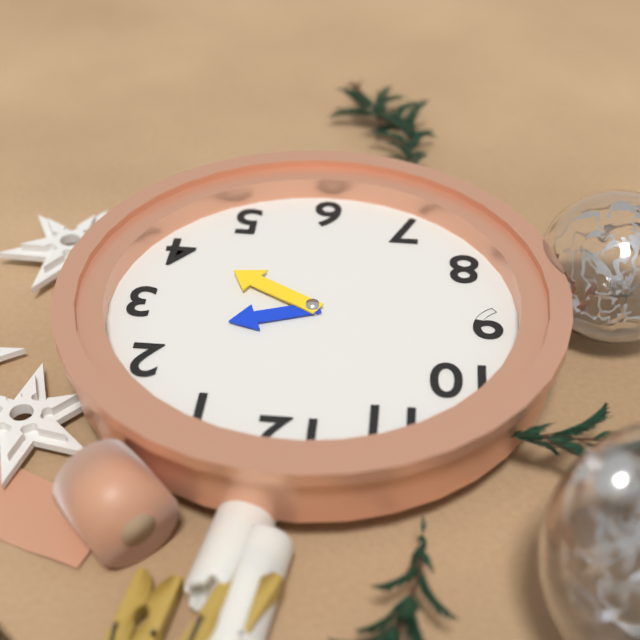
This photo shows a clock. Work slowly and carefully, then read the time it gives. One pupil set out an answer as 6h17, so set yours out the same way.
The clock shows 2h20
